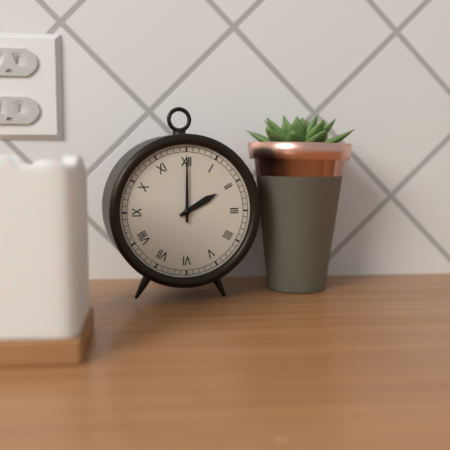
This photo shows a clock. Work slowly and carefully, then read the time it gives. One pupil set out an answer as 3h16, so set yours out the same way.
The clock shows 2h00
